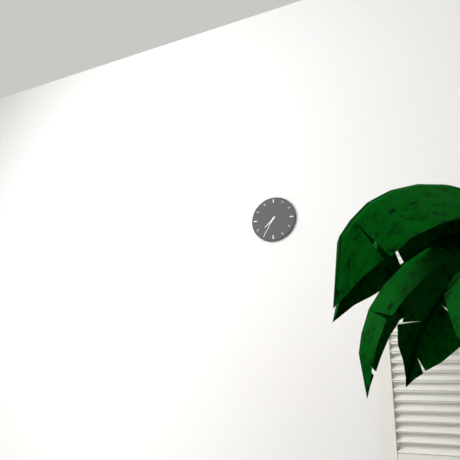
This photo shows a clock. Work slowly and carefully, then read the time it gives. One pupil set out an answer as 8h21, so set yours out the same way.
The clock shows 7h35
